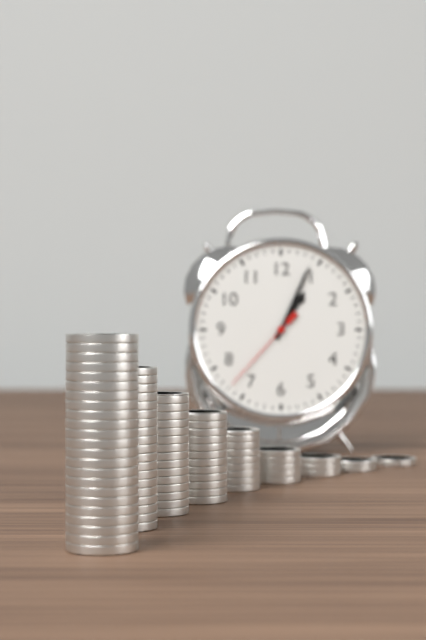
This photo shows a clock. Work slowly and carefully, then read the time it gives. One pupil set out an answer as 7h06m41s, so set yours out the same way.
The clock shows 1h04m37s
